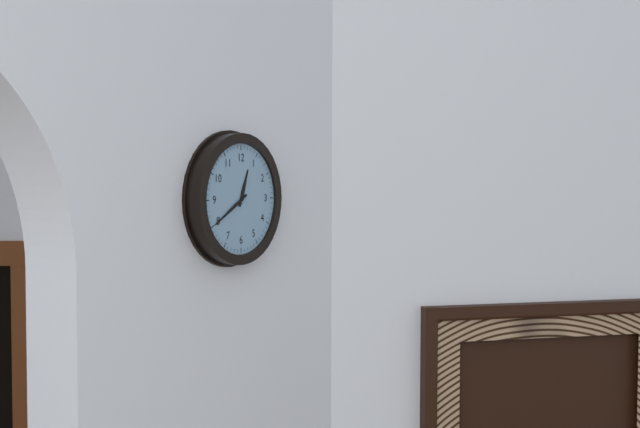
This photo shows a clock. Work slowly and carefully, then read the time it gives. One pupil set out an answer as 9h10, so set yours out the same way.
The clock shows 12h40
